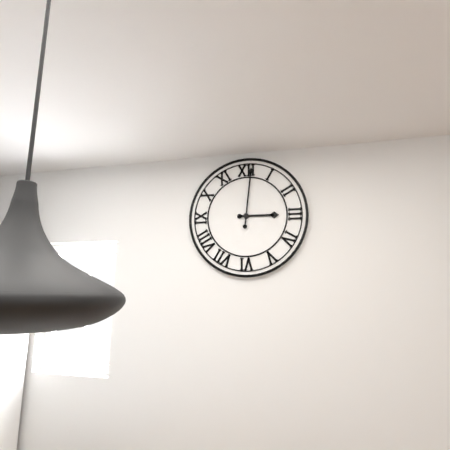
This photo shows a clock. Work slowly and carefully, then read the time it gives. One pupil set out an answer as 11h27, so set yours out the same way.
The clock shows 3h01
